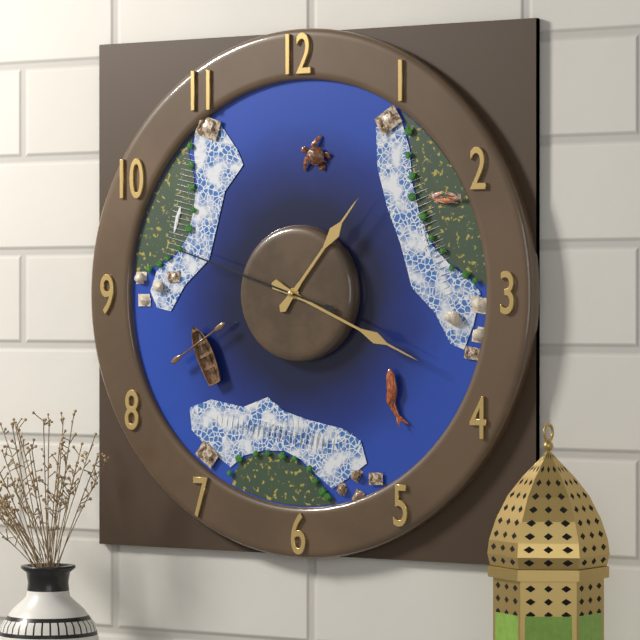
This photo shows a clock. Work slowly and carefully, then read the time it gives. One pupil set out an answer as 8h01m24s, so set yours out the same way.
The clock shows 1h19m48s
